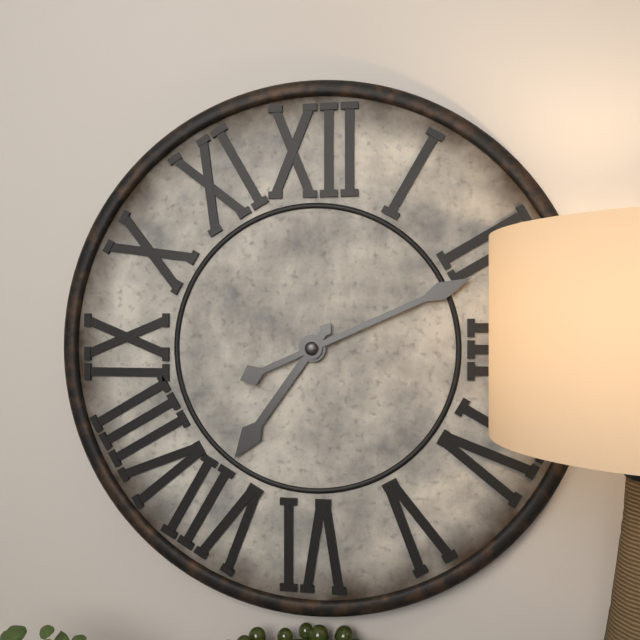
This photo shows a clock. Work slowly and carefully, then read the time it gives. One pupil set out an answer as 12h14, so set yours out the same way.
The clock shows 7h11
